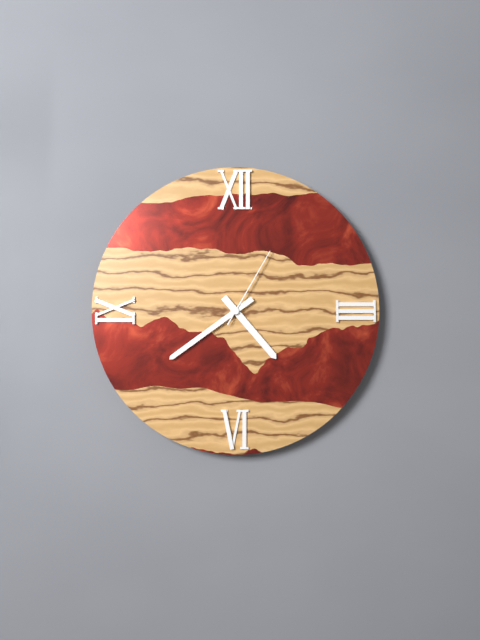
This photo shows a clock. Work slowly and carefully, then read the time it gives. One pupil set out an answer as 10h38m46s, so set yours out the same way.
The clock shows 4h39m05s
